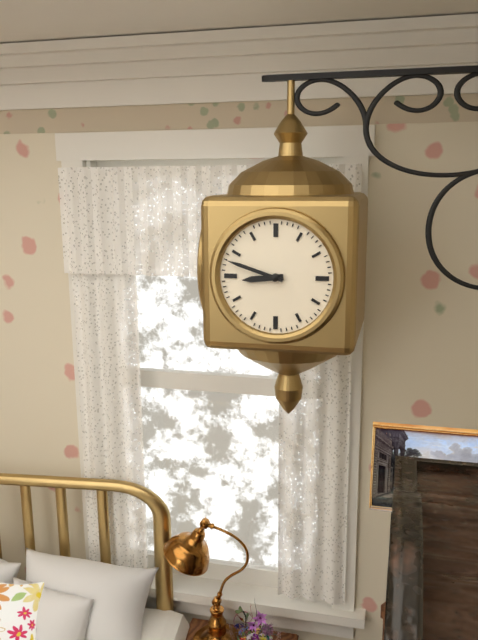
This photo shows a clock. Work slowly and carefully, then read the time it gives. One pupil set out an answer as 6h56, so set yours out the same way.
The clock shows 8h48
